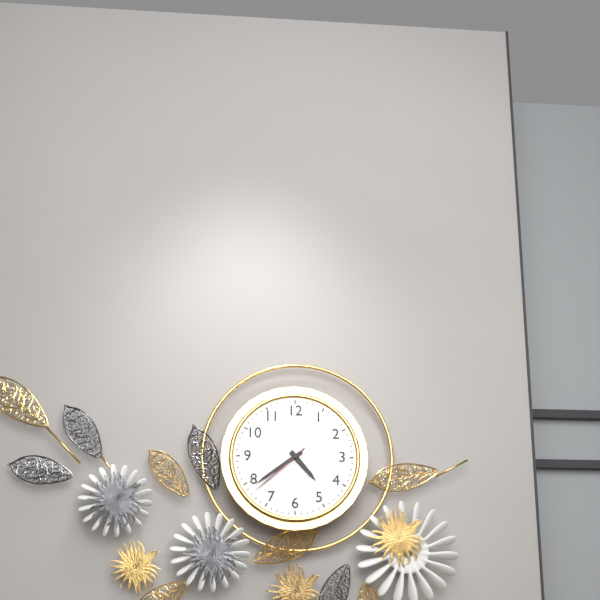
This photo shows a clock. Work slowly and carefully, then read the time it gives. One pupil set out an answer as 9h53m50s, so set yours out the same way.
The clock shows 4h39m38s
